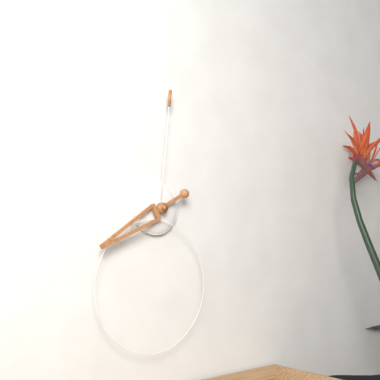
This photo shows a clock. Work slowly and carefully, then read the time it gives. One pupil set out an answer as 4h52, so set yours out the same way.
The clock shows 8h01
